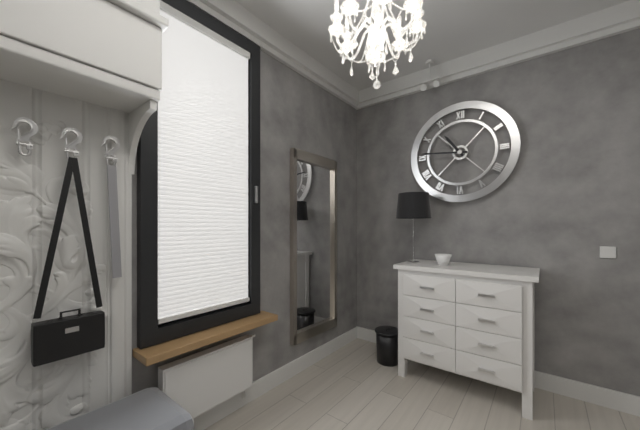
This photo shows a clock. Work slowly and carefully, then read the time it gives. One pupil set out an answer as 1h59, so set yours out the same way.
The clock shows 10h46
